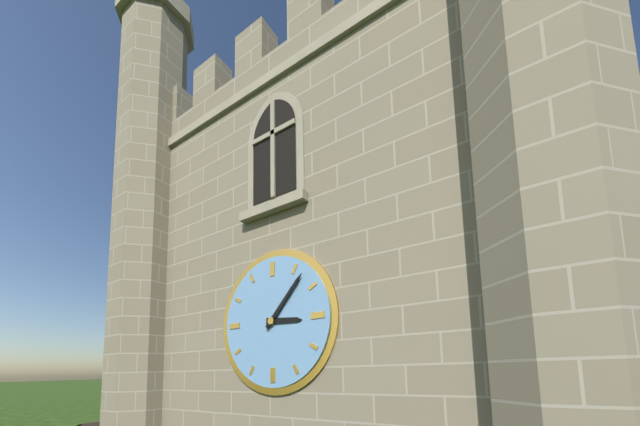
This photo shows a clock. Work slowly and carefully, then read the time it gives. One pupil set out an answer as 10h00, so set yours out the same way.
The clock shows 3h07
